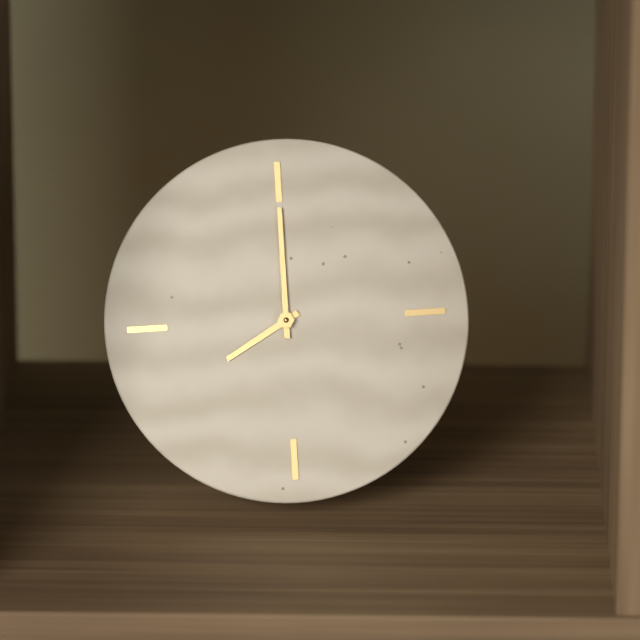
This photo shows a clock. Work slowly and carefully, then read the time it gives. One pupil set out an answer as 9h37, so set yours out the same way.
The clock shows 8h00
